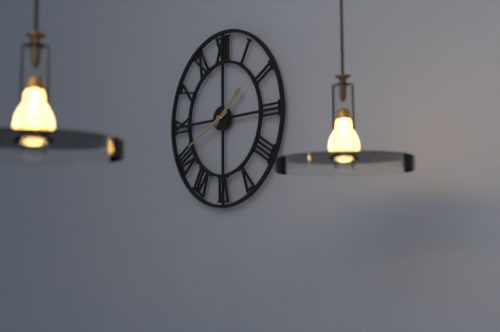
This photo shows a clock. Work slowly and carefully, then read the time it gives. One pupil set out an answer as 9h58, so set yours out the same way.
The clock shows 1h41
